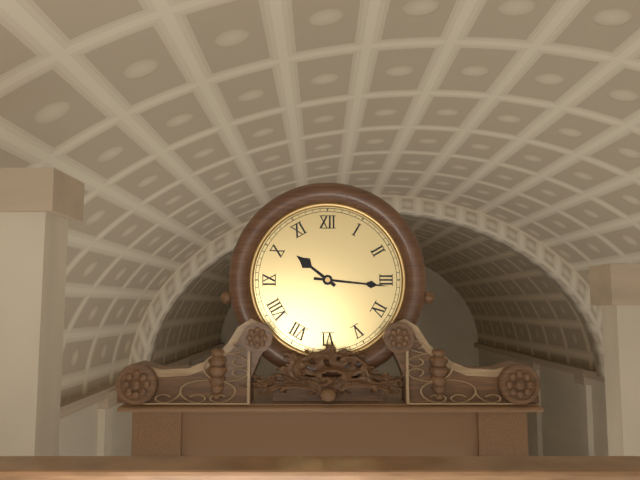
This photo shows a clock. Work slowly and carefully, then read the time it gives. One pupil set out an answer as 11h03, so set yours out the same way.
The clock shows 10h16
